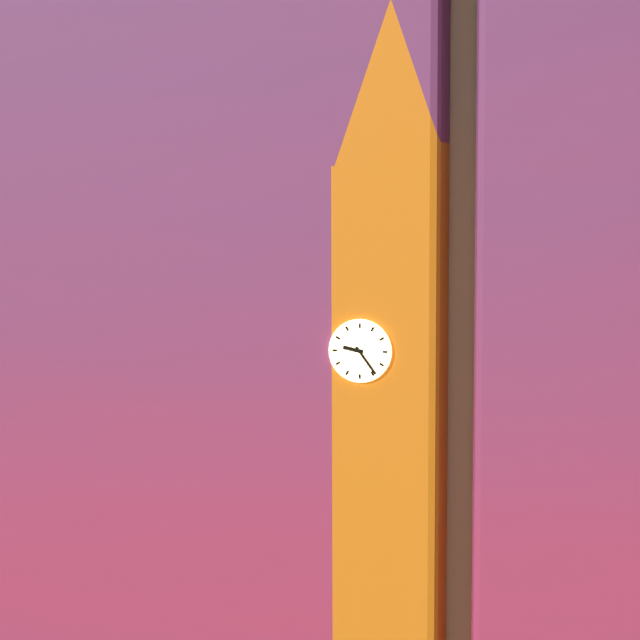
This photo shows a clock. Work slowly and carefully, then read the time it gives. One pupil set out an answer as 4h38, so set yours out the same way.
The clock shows 9h24
